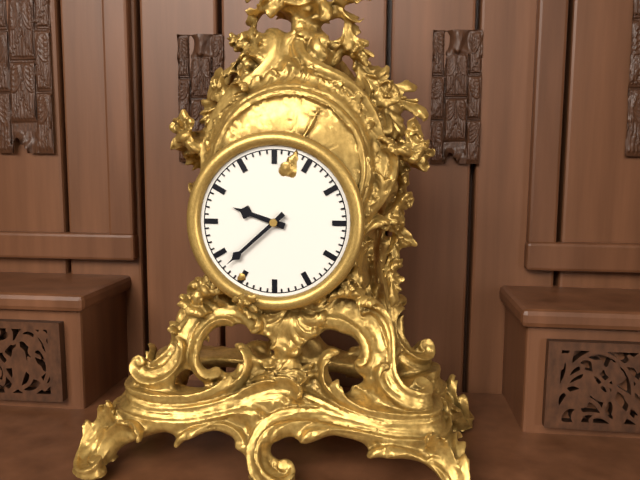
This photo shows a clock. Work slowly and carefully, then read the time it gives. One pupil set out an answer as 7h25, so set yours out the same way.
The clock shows 9h38
